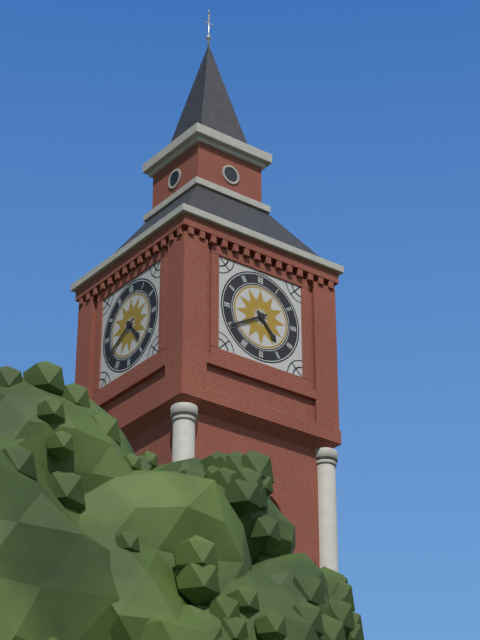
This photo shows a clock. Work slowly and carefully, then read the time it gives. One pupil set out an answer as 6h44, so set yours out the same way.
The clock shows 4h40
